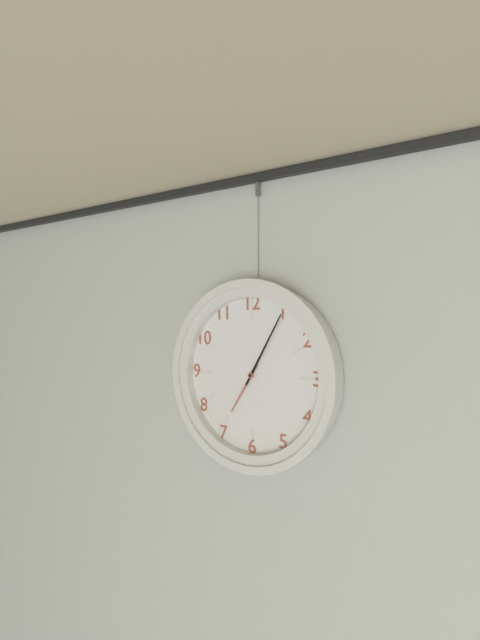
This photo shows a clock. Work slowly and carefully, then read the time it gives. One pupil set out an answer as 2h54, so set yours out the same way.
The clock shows 7h05
